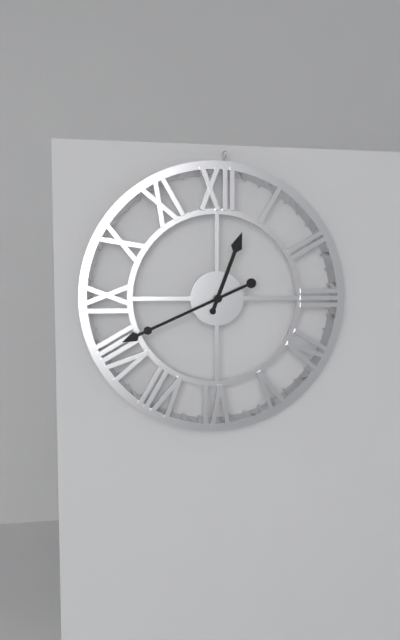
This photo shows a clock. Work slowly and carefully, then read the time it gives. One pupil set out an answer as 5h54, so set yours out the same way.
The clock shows 12h41
